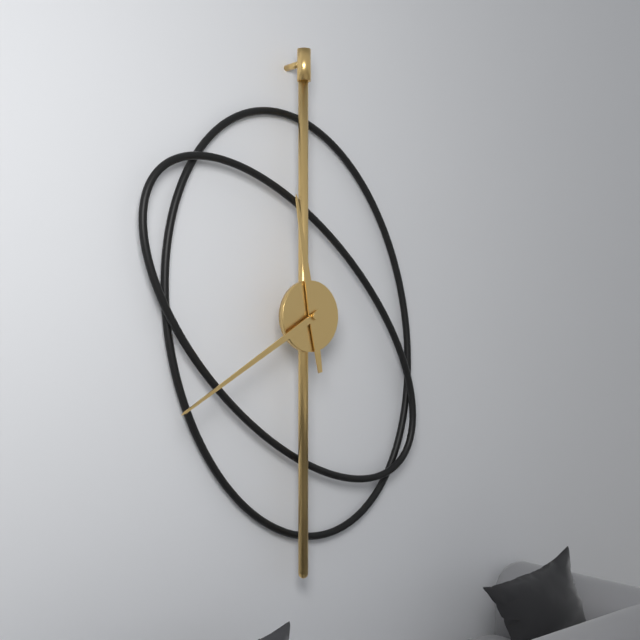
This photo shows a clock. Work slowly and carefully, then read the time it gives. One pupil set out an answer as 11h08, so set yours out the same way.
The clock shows 11h40
